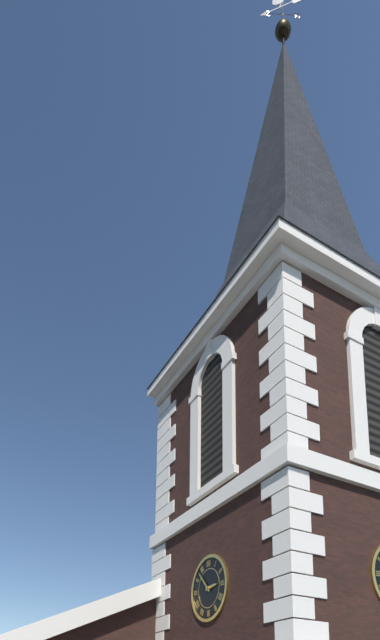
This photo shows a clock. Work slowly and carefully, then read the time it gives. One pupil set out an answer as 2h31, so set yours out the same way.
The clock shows 2h53
